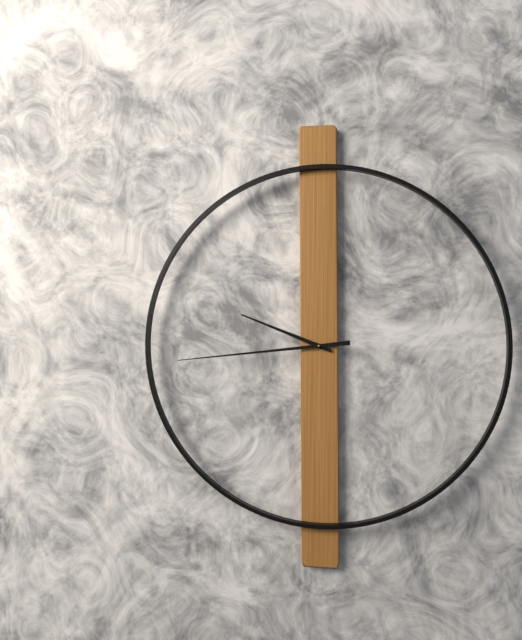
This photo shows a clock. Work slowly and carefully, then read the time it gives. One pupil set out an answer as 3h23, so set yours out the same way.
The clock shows 9h44
